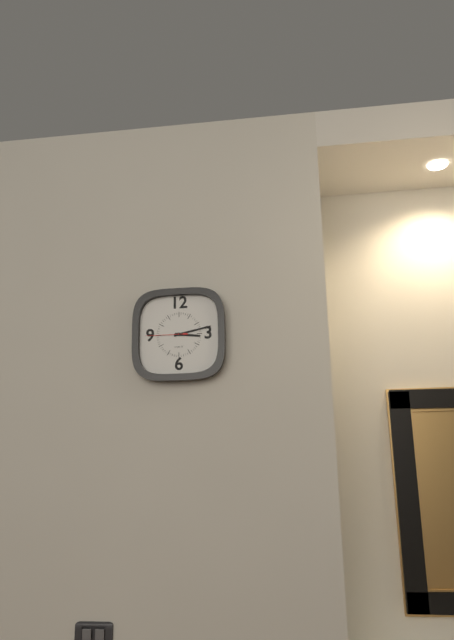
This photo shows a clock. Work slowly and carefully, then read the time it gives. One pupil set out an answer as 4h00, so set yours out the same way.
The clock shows 3h13
